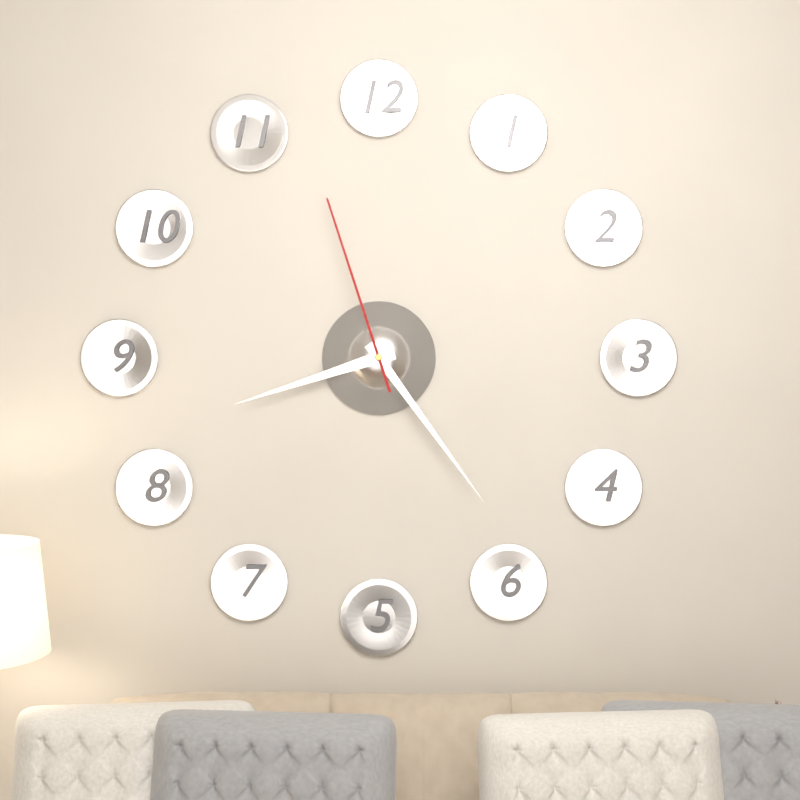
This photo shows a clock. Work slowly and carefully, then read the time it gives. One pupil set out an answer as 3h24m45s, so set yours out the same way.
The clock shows 8h24m57s
